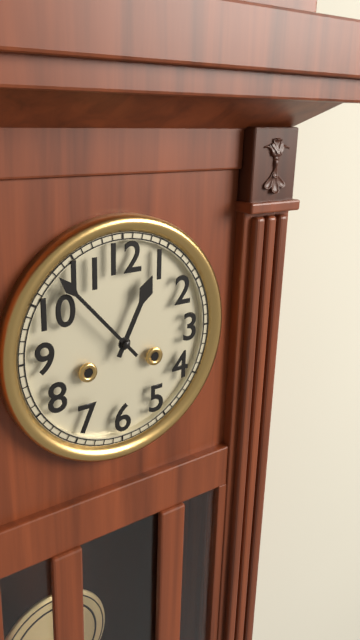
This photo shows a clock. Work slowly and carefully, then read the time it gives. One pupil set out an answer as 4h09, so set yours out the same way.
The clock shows 12h53
